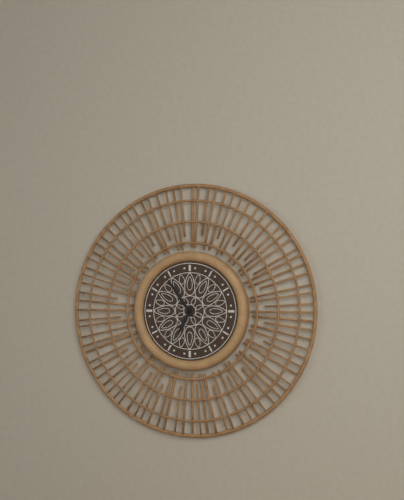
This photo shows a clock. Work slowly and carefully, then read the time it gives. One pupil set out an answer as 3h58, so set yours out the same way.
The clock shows 6h54
